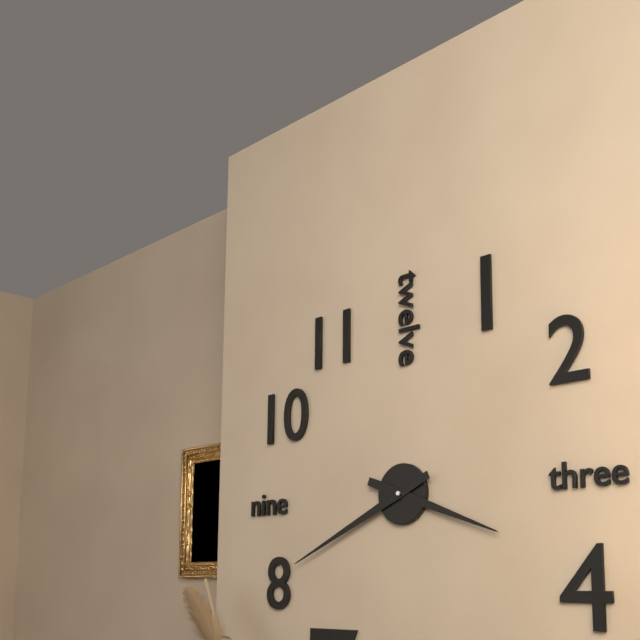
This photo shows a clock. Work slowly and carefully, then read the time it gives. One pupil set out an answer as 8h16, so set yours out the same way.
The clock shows 3h41
